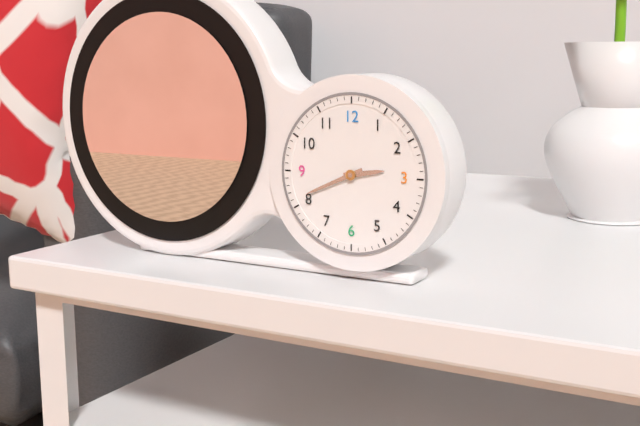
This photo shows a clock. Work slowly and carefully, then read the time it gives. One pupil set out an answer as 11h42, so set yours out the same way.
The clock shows 2h41
